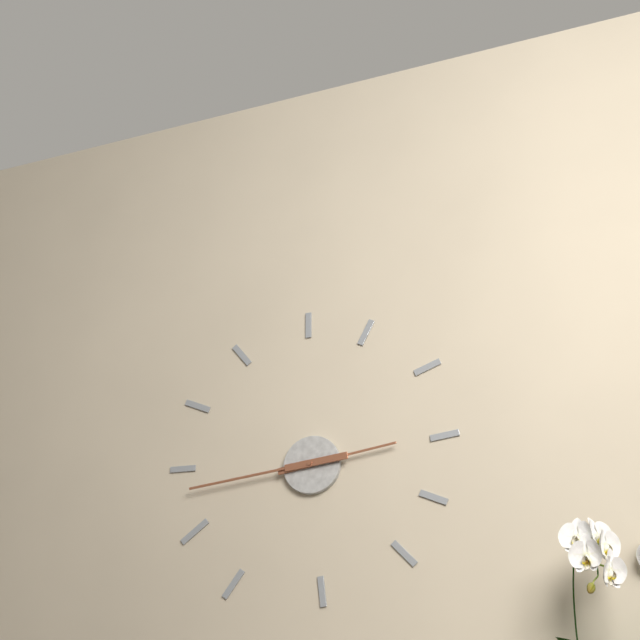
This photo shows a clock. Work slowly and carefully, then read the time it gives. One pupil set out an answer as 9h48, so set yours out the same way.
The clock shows 2h44
